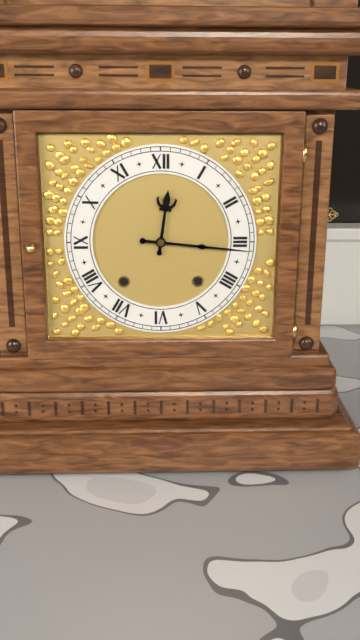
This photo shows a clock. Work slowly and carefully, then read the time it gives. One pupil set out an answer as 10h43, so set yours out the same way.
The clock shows 12h16
